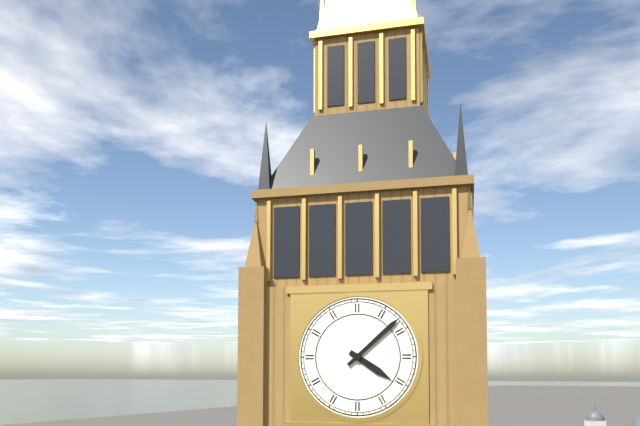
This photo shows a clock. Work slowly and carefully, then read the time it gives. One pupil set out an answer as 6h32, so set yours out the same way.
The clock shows 4h08
